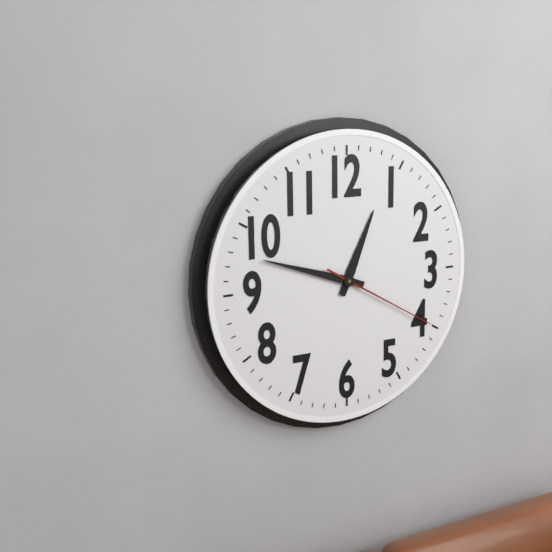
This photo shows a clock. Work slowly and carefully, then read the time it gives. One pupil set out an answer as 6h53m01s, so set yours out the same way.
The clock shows 12h48m20s
